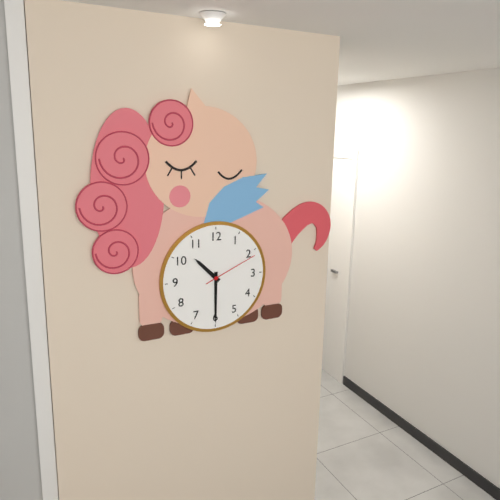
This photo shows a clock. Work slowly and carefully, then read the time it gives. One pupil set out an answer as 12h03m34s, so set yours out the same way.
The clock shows 10h30m11s
